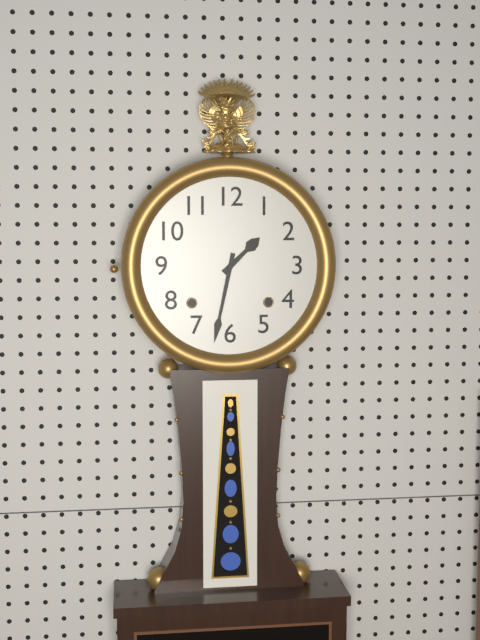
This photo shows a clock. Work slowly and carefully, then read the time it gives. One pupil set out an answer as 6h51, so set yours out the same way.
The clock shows 1h32
